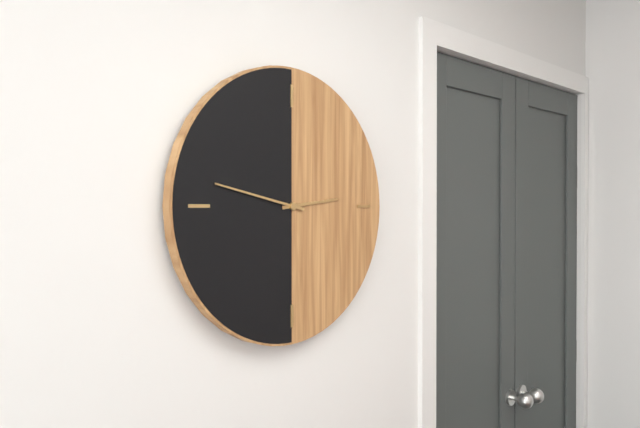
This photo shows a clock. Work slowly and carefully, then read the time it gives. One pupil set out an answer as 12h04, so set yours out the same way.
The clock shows 2h47
